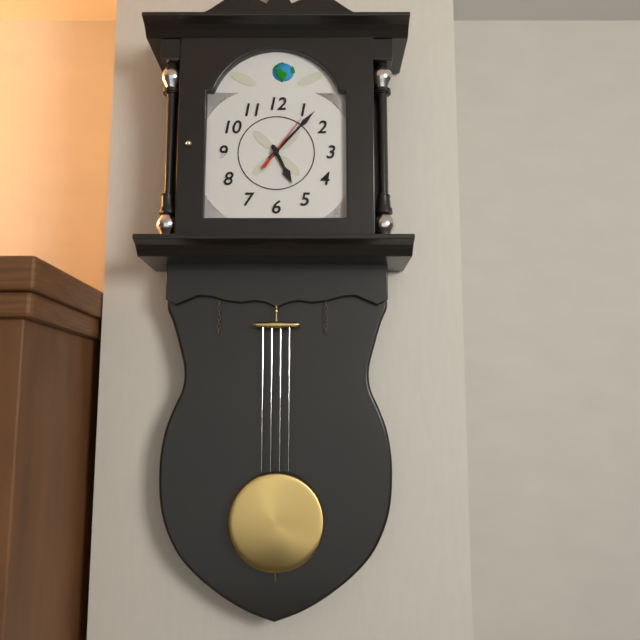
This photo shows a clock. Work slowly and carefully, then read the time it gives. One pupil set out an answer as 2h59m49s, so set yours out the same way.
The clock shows 5h07m06s
